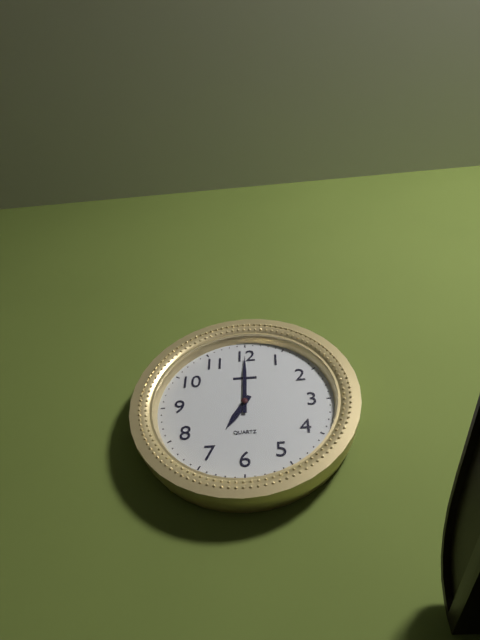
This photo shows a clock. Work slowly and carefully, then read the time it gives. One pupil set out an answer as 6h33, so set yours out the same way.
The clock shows 7h00
